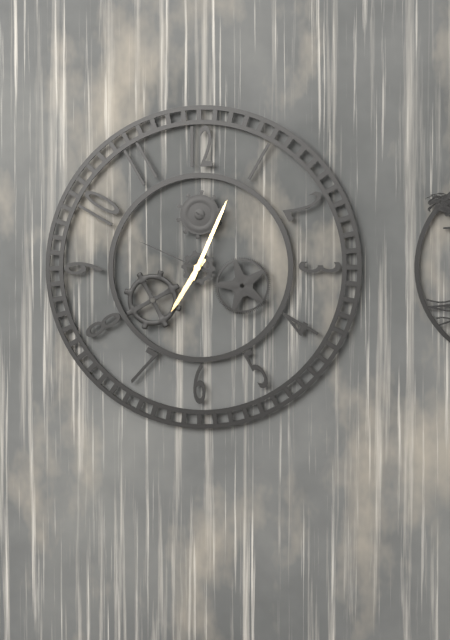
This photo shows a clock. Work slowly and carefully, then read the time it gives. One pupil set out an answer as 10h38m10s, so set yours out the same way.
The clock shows 7h04m49s
